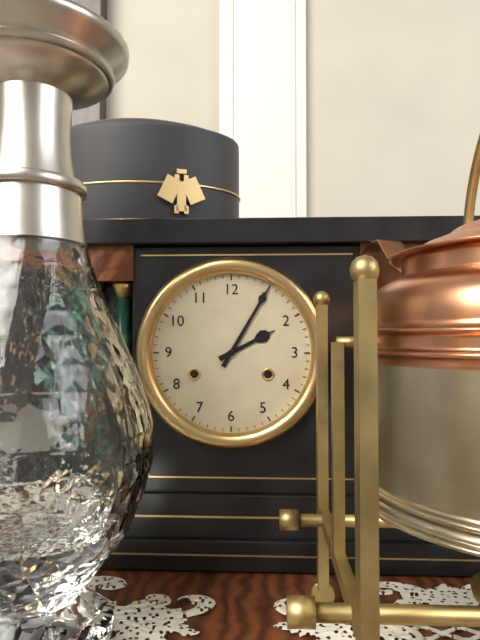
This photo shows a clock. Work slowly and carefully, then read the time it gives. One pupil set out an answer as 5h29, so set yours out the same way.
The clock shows 2h05
